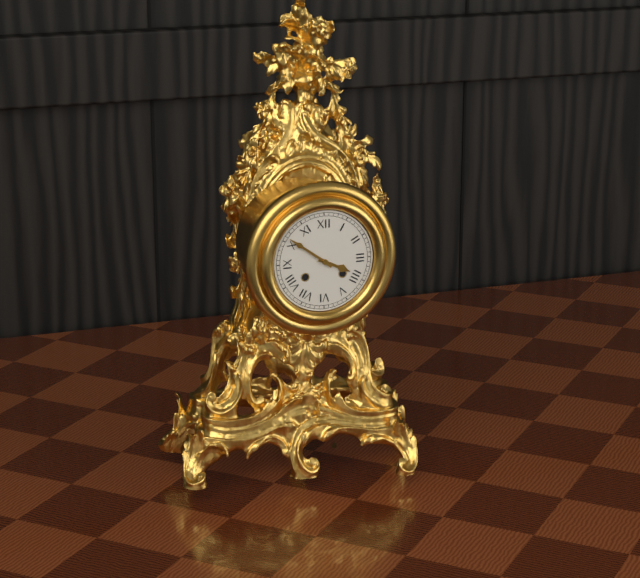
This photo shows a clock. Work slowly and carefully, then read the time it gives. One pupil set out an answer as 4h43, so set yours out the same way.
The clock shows 3h51
